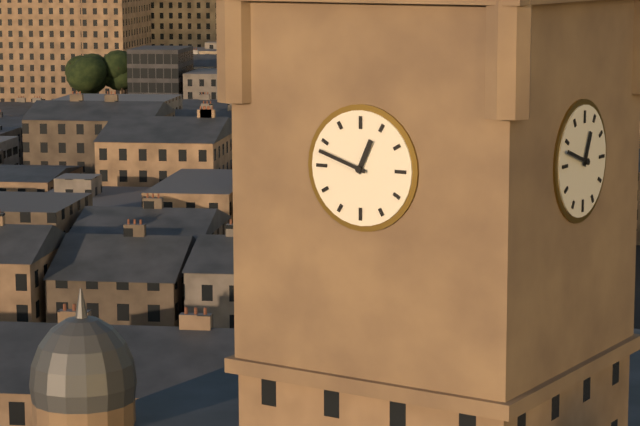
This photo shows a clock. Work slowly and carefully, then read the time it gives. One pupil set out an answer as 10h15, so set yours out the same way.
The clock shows 12h48
